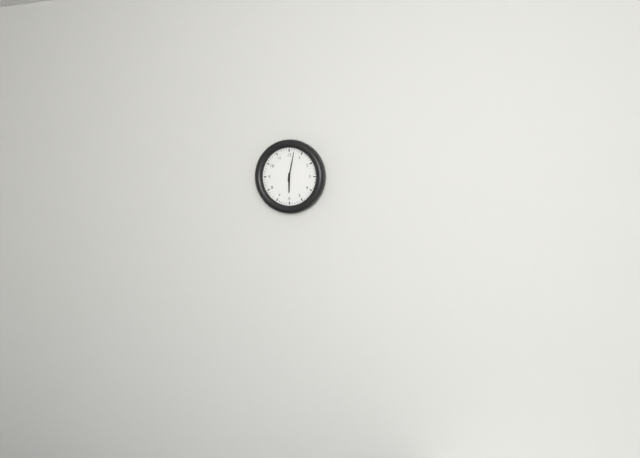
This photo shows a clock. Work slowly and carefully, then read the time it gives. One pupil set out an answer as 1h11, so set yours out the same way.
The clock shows 6h02
